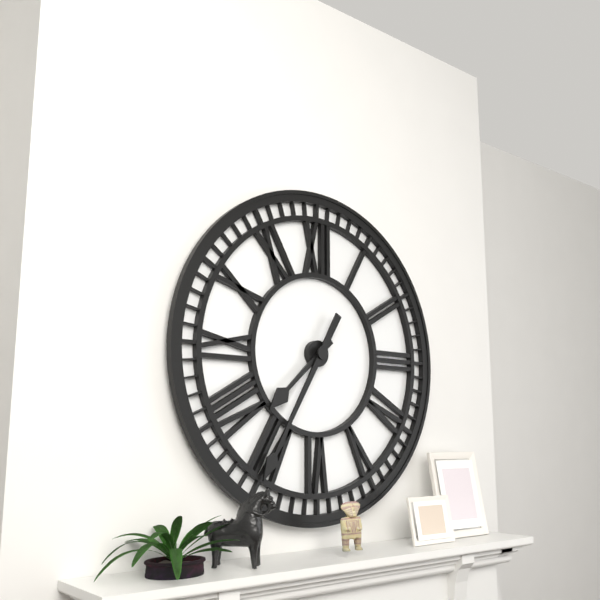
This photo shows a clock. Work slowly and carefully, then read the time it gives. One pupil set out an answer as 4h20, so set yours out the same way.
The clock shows 7h35
